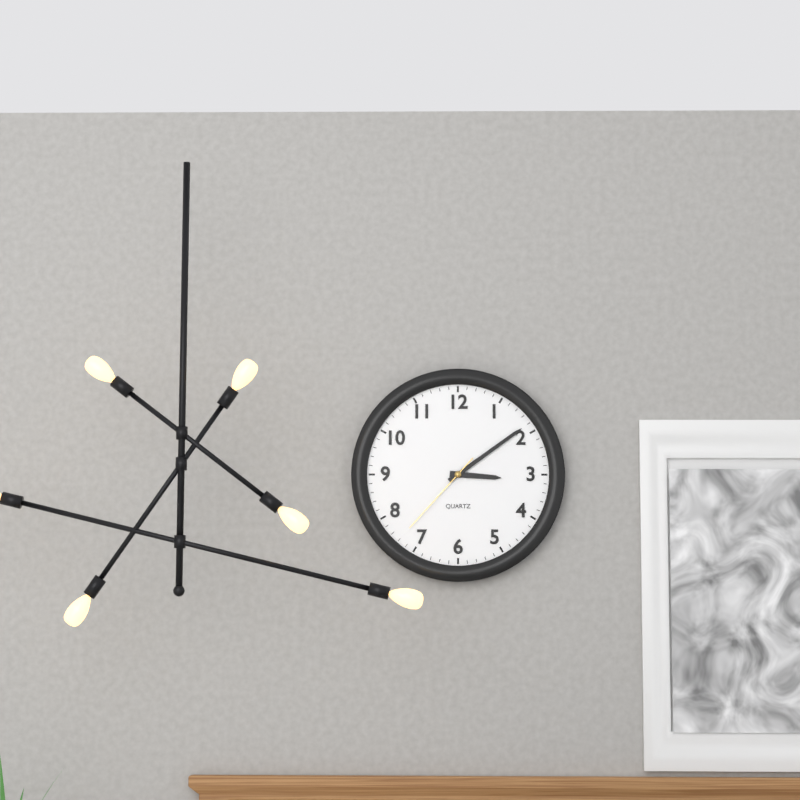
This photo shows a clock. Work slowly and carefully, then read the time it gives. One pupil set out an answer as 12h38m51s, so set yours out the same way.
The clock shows 3h09m37s
